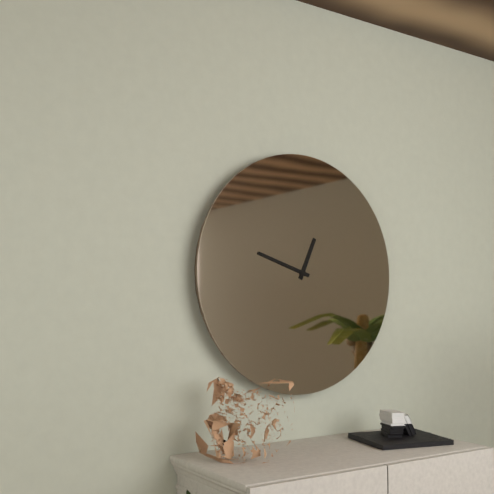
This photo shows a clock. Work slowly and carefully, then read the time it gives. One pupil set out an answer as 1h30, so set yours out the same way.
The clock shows 12h48
